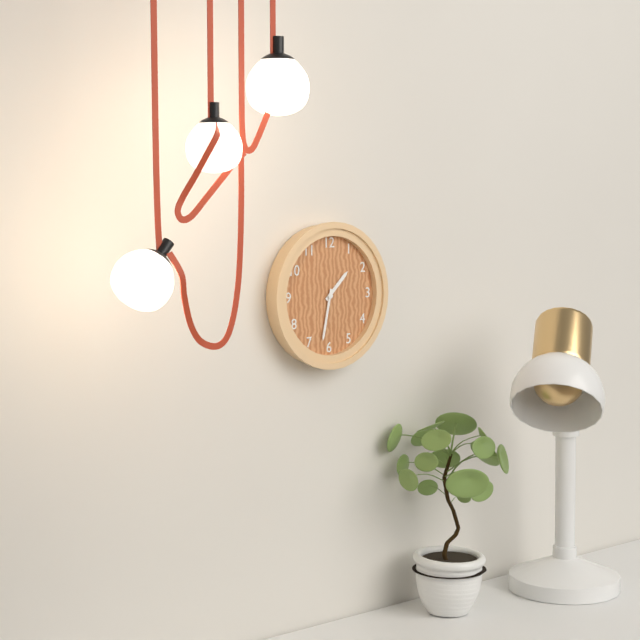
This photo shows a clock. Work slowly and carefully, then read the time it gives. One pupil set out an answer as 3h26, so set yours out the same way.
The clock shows 1h32
